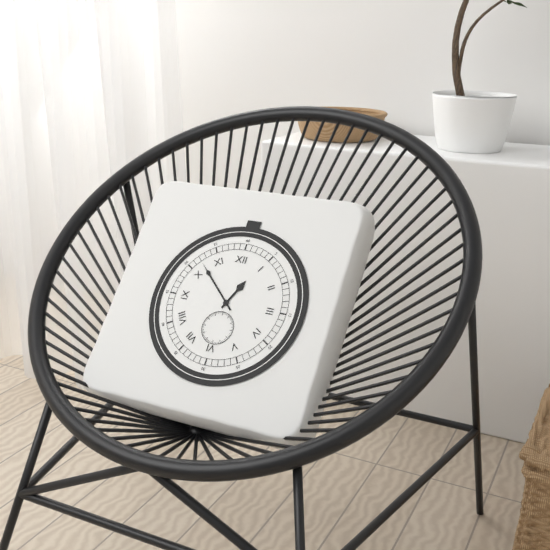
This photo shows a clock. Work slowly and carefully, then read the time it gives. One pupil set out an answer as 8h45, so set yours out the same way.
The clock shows 12h52
